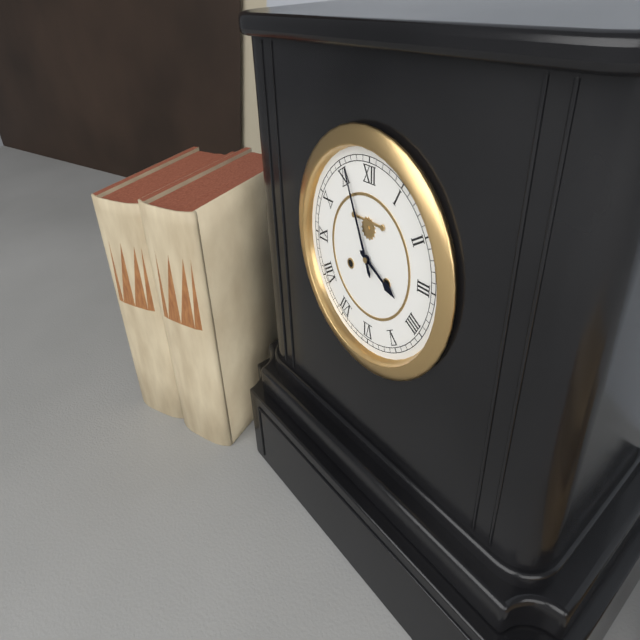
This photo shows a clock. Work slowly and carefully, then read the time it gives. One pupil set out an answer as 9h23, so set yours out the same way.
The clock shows 3h56
